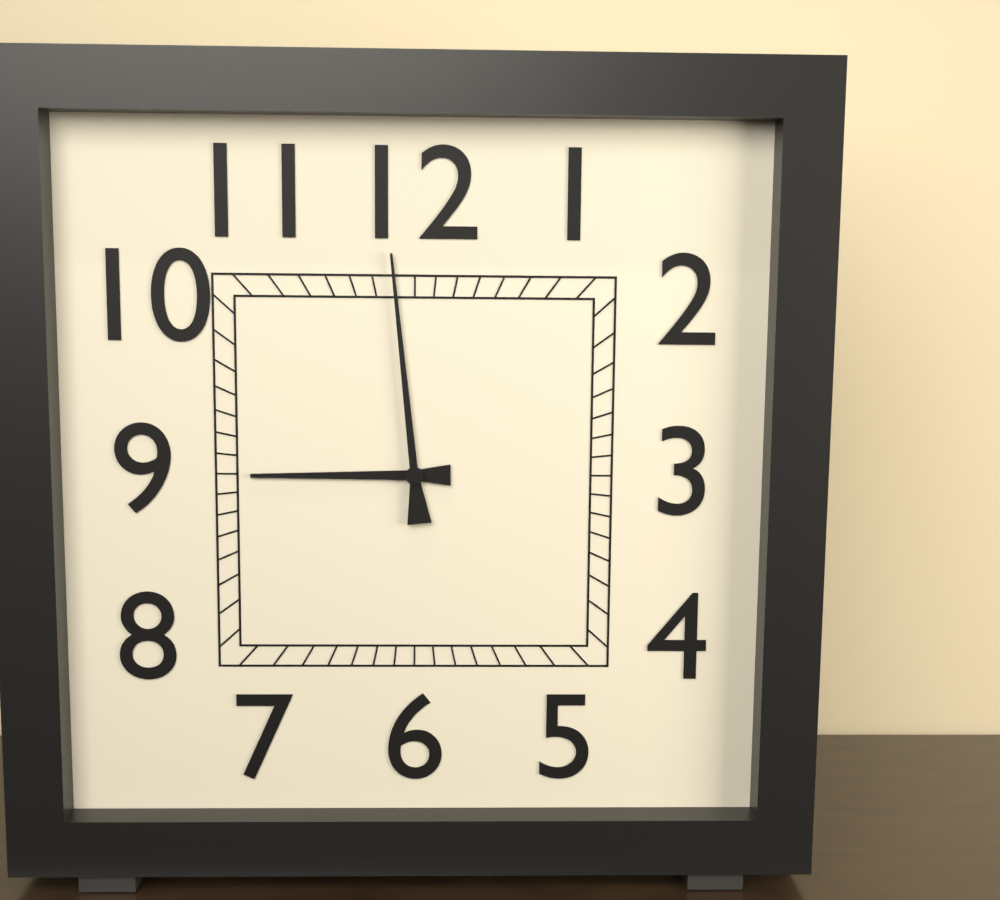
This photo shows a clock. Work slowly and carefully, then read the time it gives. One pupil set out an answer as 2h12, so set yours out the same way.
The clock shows 8h59
